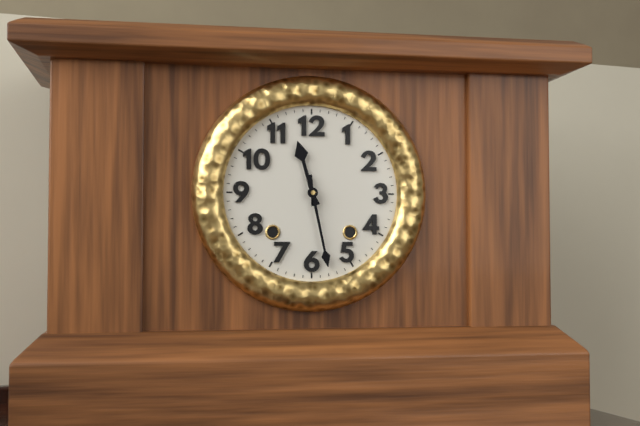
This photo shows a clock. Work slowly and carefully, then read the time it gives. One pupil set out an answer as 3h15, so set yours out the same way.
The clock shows 11h28
